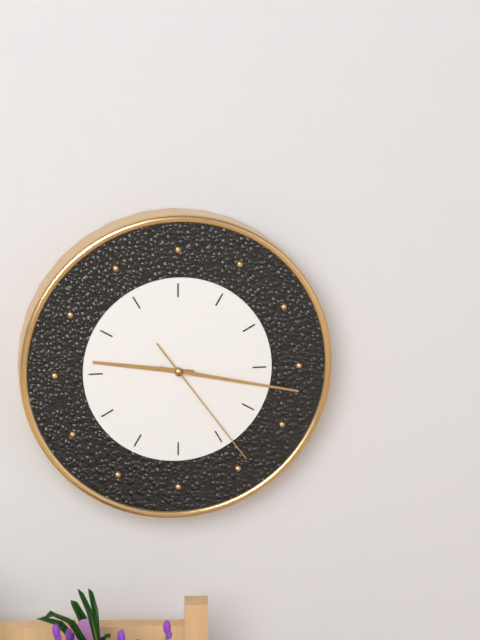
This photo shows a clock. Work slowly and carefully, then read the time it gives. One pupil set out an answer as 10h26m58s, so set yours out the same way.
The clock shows 9h17m24s
